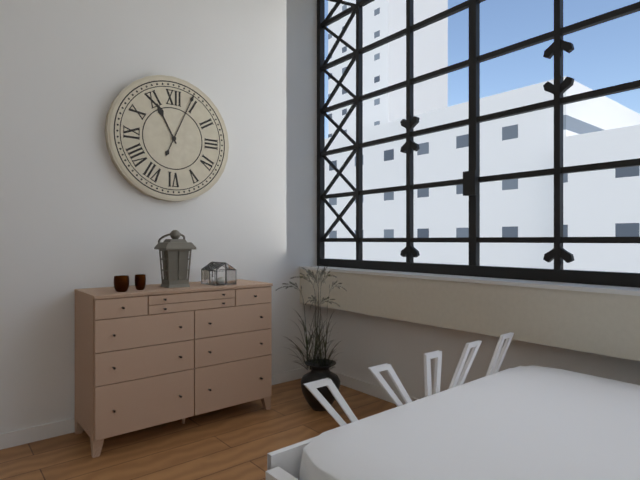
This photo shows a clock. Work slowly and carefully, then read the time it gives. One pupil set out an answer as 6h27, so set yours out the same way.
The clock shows 11h04
